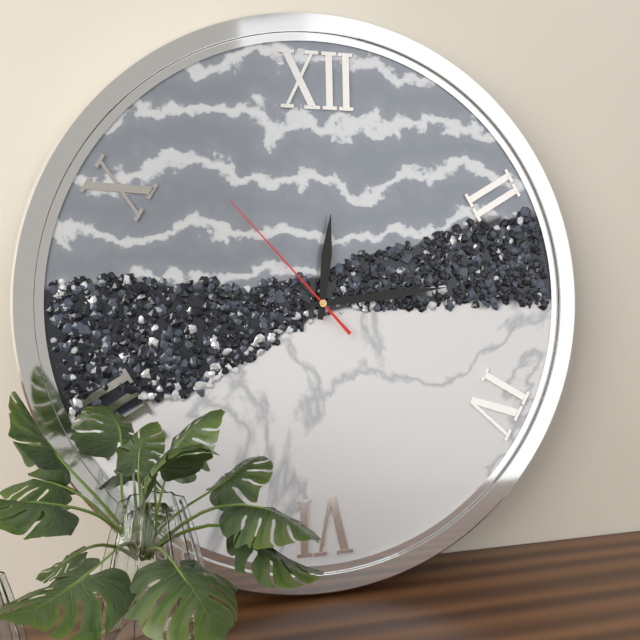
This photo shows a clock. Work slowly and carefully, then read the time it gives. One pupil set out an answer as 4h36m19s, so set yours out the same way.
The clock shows 12h14m53s
